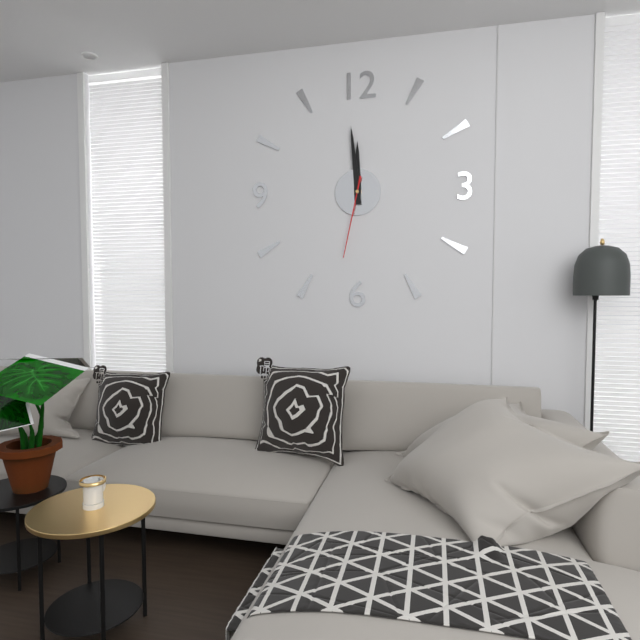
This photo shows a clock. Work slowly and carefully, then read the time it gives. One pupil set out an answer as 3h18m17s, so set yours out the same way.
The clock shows 11h59m32s
